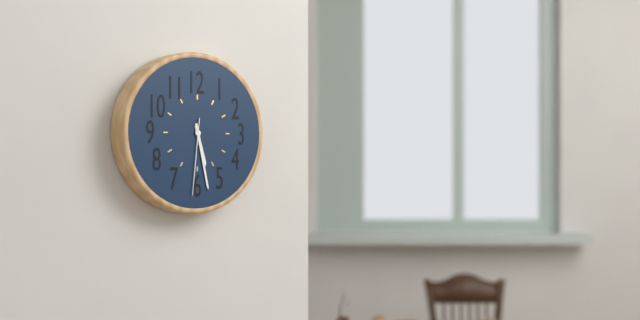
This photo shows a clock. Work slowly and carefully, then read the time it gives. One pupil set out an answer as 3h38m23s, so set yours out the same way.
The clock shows 5h28m31s
